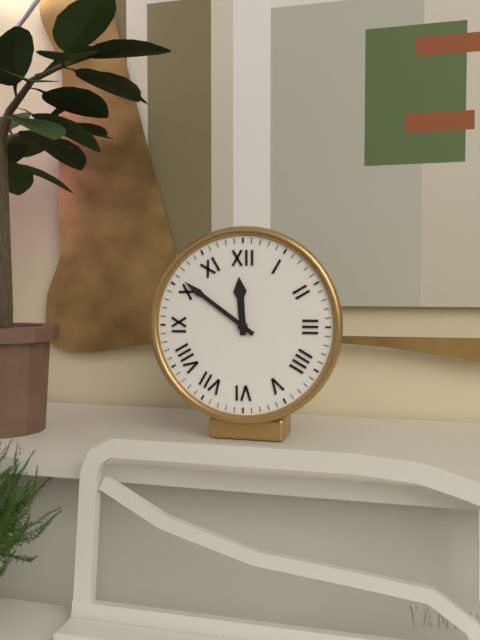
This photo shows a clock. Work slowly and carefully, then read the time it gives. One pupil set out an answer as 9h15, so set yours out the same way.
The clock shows 11h51
